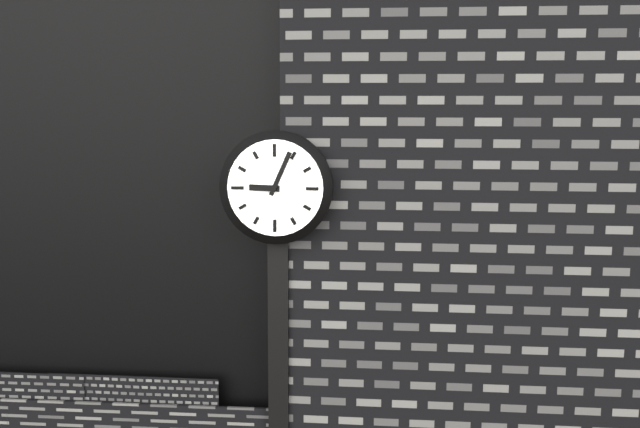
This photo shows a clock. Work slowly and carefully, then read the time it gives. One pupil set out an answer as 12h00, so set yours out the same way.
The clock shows 9h04
